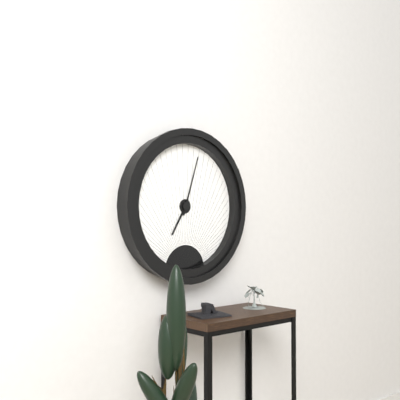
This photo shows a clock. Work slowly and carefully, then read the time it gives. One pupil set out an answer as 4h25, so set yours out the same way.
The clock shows 7h03
